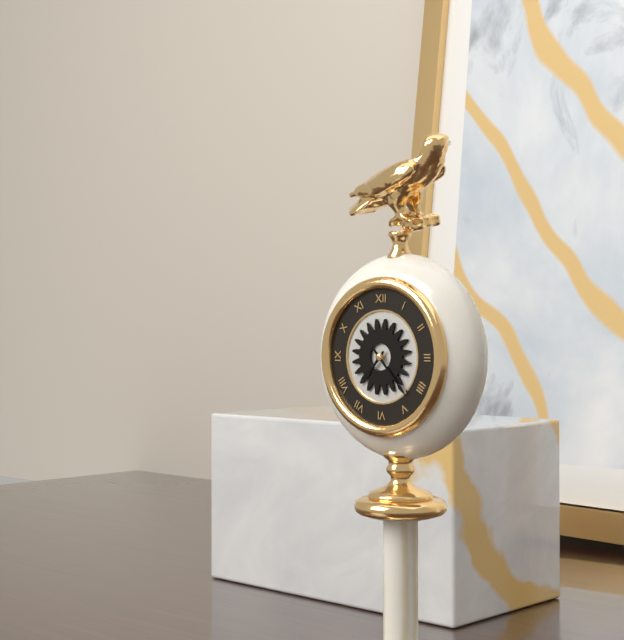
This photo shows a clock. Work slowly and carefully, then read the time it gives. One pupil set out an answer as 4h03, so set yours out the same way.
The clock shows 7h23
